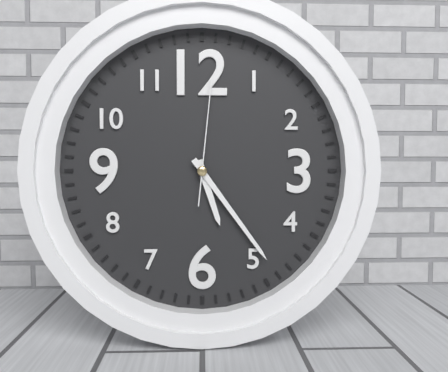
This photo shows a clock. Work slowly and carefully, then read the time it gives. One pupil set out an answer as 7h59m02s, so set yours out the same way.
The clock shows 5h24m01s
